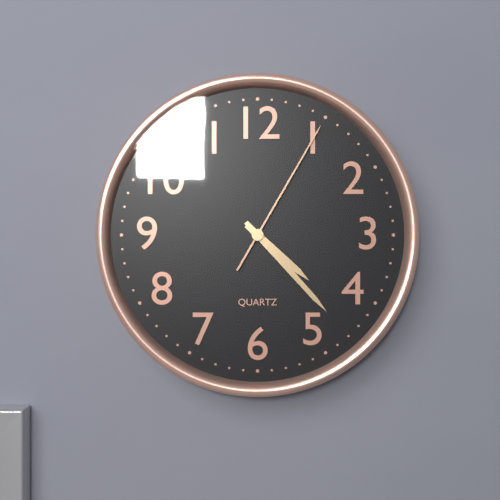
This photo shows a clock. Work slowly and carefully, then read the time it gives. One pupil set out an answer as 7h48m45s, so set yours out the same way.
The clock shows 4h23m05s
